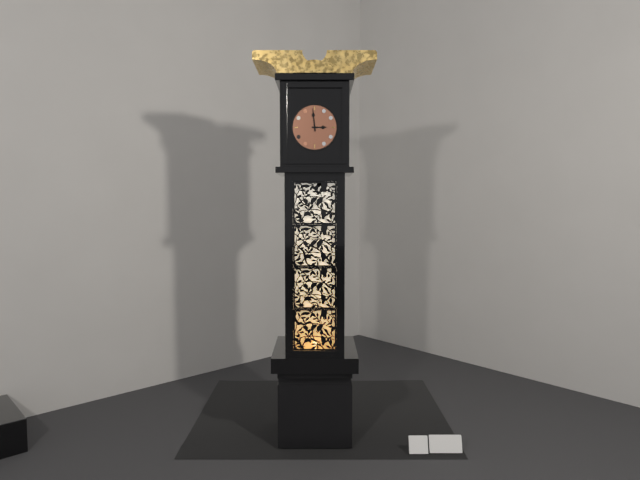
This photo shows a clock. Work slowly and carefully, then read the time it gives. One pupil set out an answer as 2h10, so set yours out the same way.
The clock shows 2h59
